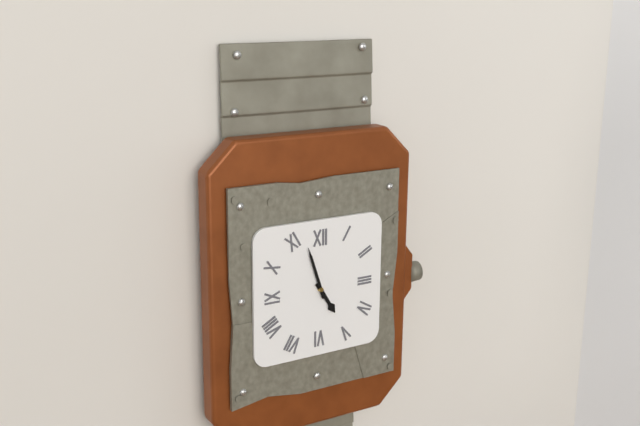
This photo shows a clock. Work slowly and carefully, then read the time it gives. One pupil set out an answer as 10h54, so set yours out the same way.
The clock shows 4h57
